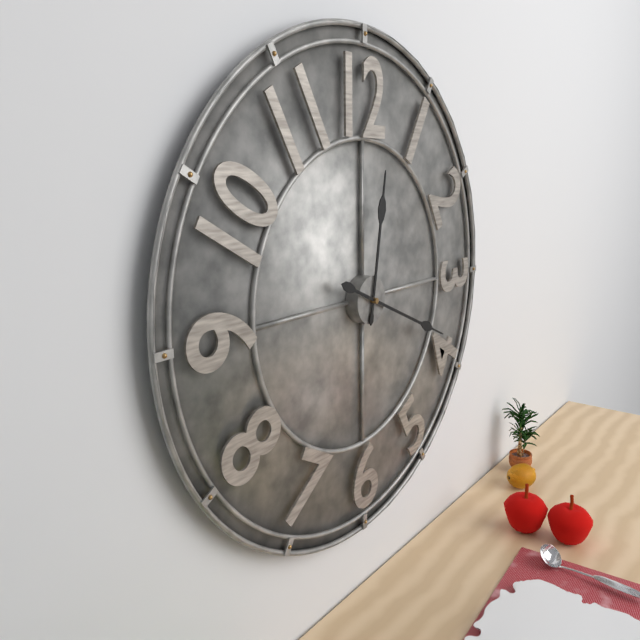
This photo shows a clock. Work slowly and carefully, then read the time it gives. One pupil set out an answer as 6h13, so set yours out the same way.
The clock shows 12h19
